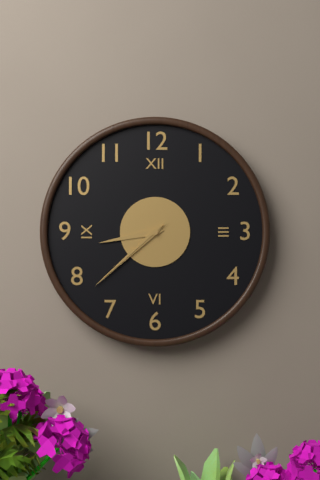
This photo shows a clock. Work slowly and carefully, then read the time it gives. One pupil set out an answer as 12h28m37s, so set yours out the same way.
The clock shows 8h38m38s
